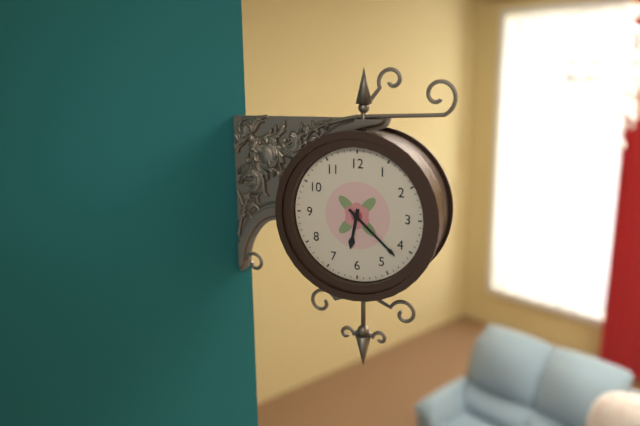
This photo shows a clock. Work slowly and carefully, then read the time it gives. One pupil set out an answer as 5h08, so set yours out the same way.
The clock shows 6h22
